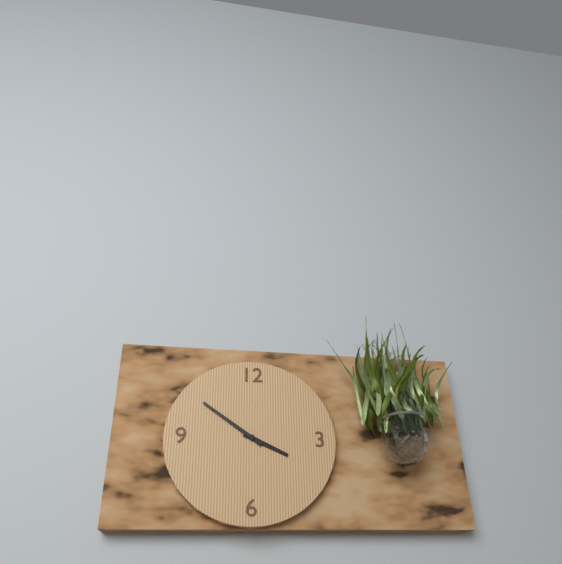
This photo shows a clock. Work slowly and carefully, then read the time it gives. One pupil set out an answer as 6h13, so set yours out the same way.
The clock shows 3h51
